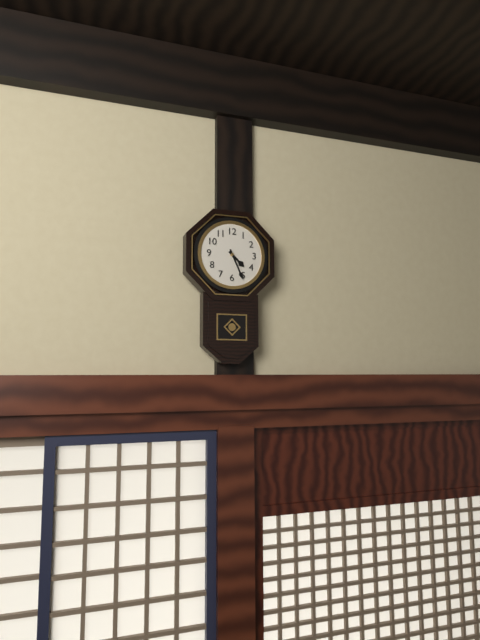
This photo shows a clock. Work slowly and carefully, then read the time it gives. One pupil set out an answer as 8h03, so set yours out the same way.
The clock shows 4h26
